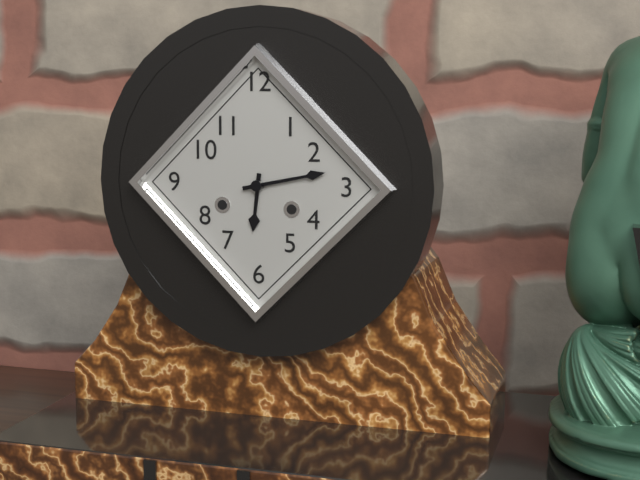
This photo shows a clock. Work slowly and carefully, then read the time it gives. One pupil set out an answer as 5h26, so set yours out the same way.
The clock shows 6h13
